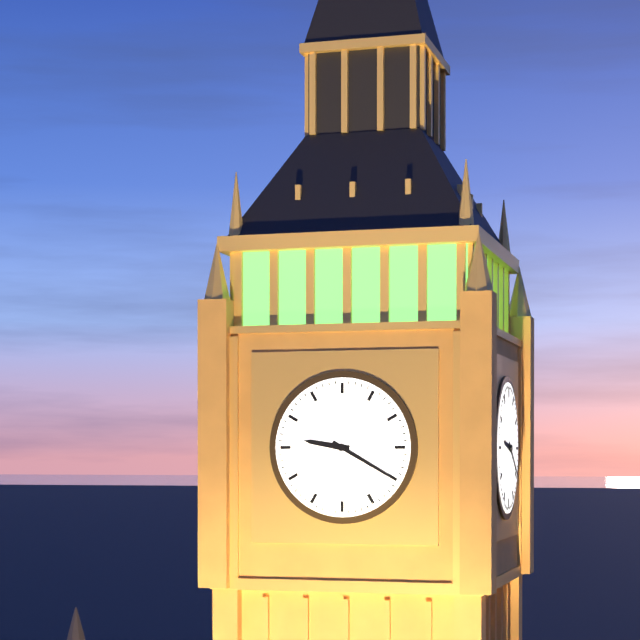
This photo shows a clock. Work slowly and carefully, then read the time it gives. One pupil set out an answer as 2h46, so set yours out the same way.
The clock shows 9h20
